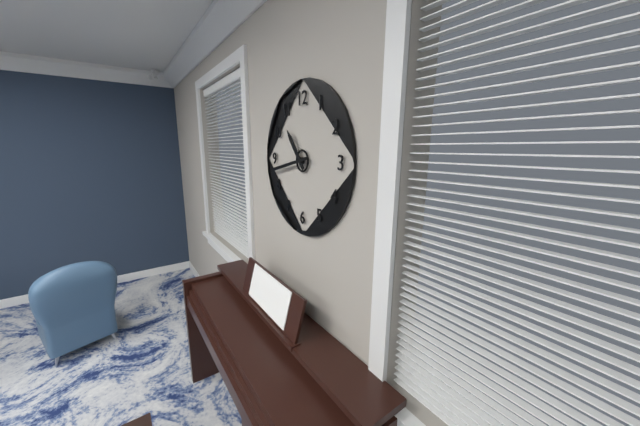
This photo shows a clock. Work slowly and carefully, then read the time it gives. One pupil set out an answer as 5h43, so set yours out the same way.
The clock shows 10h43
